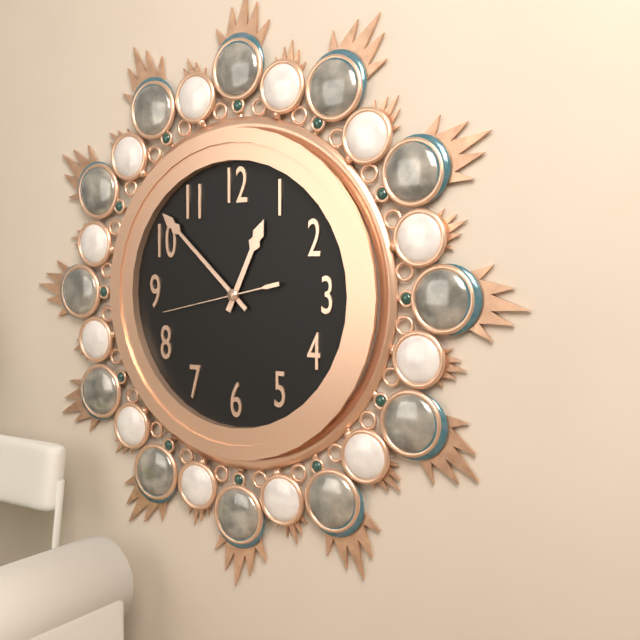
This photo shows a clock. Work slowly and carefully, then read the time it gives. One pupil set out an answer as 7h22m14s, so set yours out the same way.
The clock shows 12h52m43s
